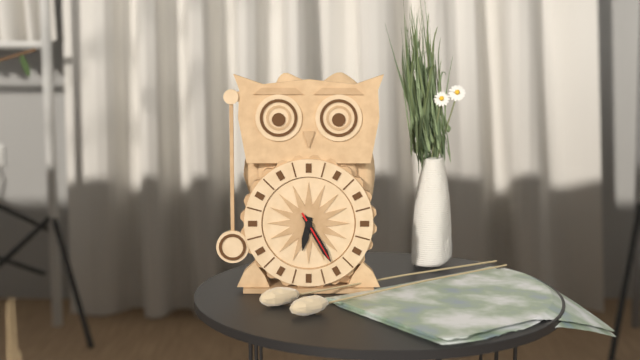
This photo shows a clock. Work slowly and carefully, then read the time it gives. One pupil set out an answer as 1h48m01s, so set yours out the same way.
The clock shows 6h25m25s
